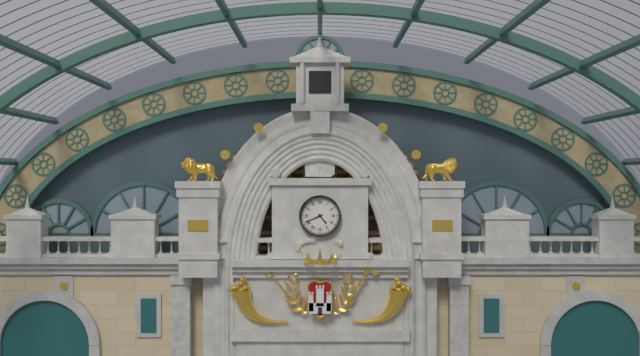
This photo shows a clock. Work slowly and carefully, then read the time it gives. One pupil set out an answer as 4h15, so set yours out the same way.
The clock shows 4h41
